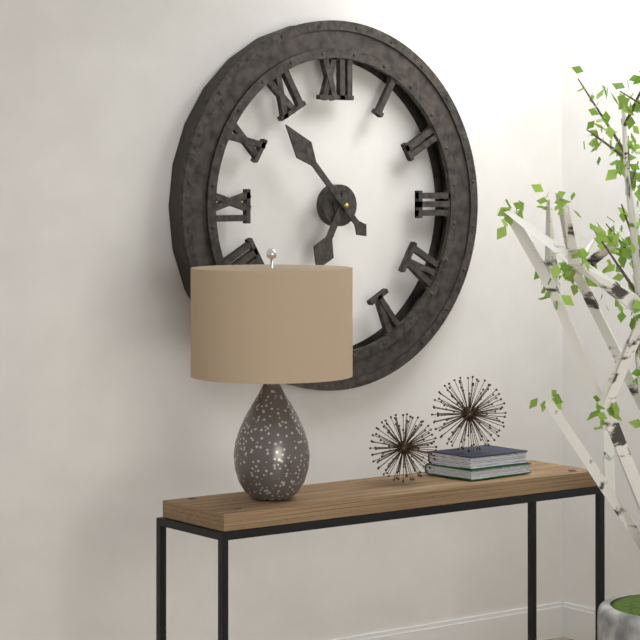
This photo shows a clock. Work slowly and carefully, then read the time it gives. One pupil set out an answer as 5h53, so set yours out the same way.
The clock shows 6h53
